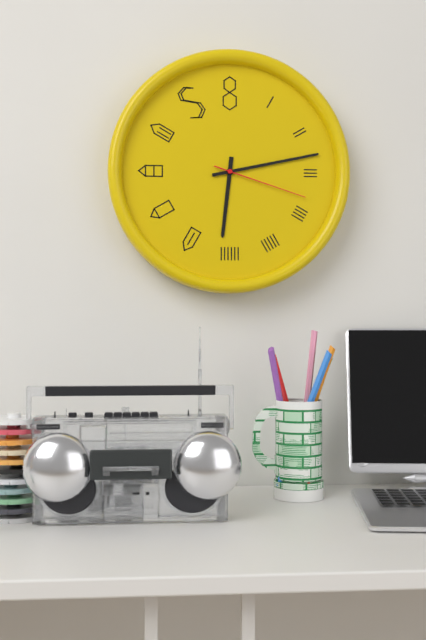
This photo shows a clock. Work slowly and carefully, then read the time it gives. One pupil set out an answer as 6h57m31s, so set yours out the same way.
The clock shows 6h13m18s
